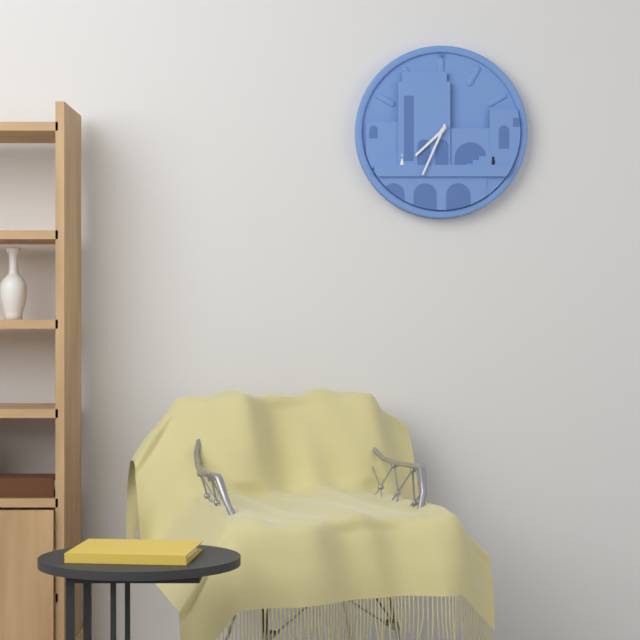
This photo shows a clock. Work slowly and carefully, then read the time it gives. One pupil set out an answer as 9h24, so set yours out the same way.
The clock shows 7h34
